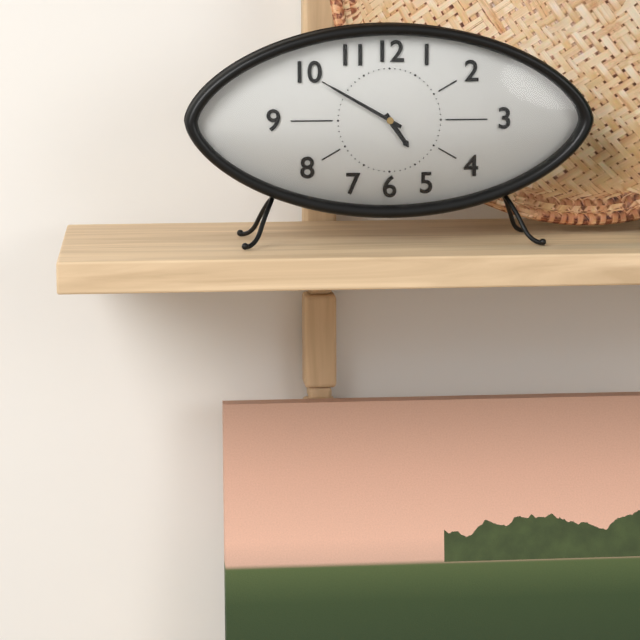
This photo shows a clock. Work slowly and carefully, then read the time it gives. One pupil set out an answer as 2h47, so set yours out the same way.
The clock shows 4h50
